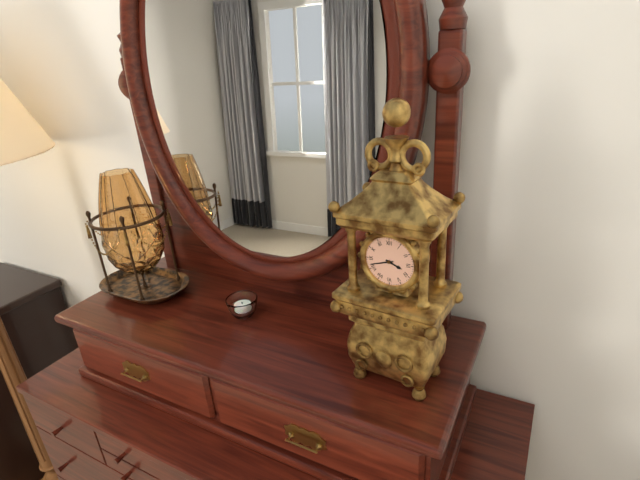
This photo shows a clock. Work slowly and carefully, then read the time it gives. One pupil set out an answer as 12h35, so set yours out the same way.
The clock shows 3h42
